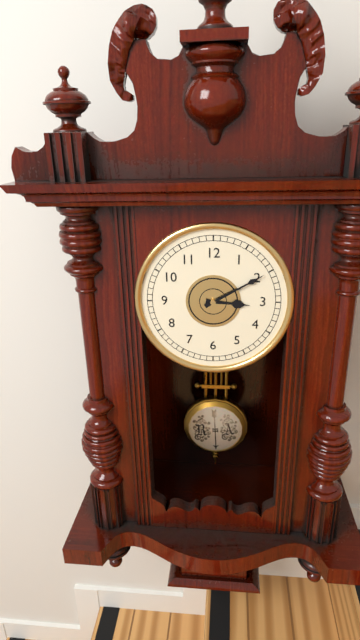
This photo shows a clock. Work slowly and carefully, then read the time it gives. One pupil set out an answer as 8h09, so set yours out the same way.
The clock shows 3h10
